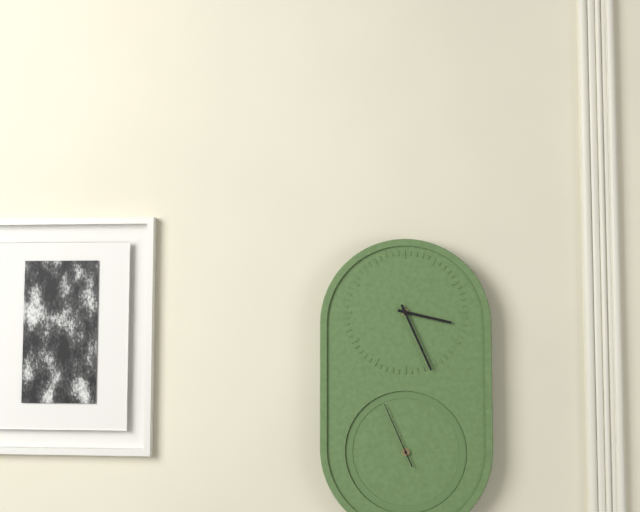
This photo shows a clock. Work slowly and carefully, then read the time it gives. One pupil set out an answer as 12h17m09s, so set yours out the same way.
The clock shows 3h26m56s
